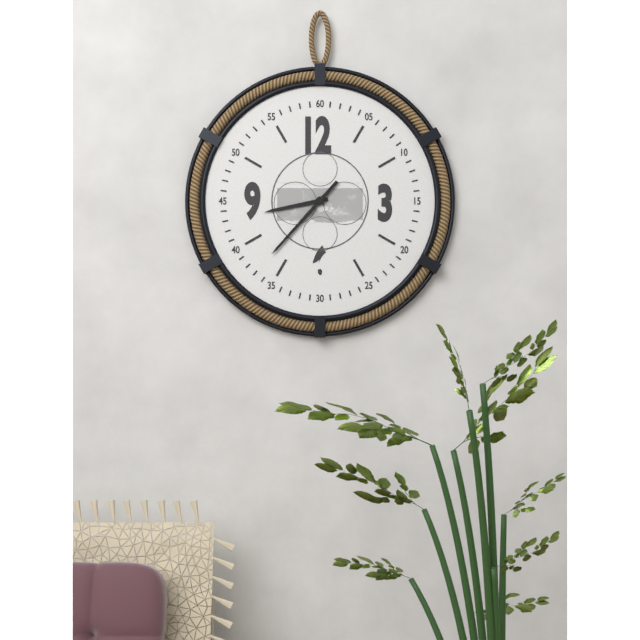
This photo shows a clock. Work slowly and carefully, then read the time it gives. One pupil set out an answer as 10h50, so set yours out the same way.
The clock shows 8h37
